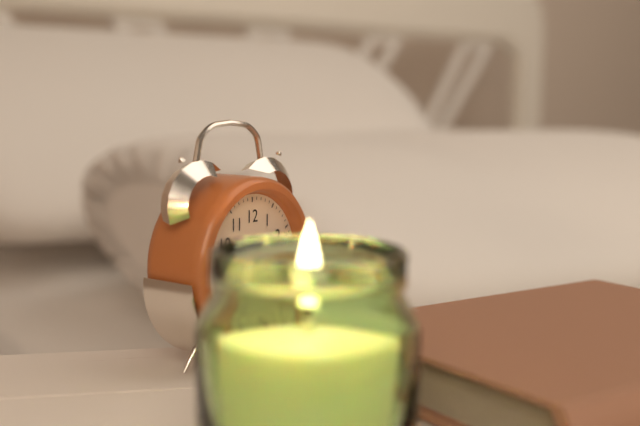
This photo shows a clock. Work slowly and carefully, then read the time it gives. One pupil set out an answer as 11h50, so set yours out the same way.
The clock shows 5h20
